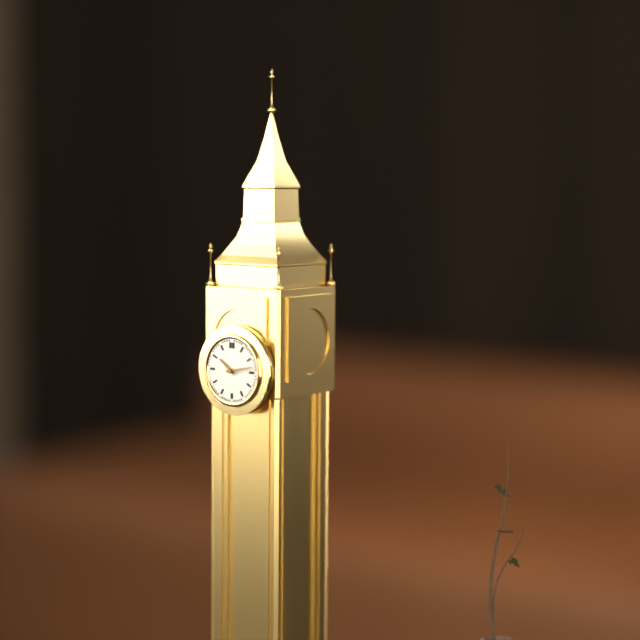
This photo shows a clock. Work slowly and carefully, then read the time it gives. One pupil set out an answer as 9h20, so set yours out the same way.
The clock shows 10h13
